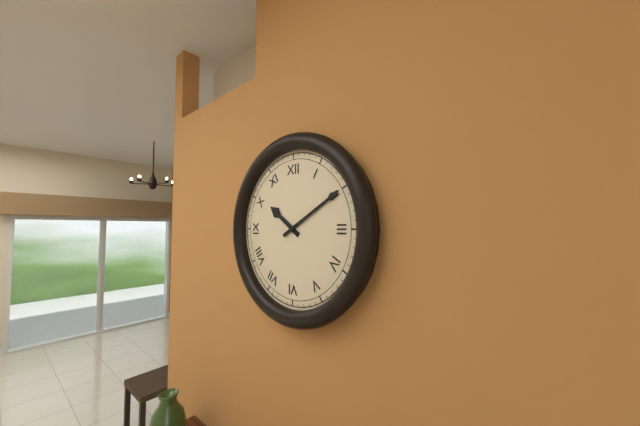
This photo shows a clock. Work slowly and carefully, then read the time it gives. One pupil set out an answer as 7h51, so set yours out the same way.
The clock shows 10h10
